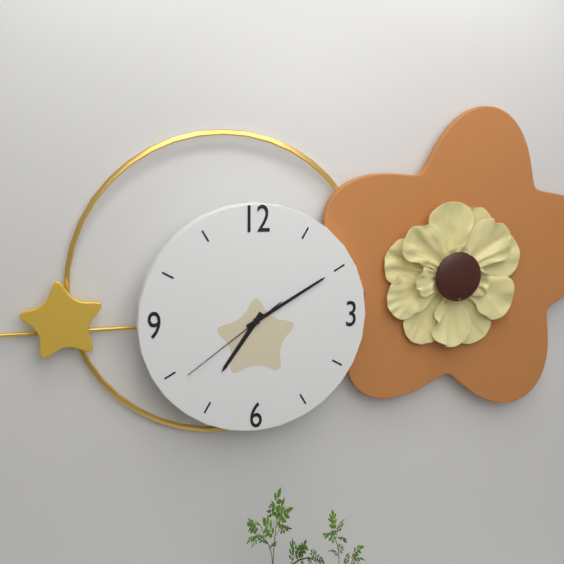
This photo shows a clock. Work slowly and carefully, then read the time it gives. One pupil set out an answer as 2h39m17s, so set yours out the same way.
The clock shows 7h10m39s
